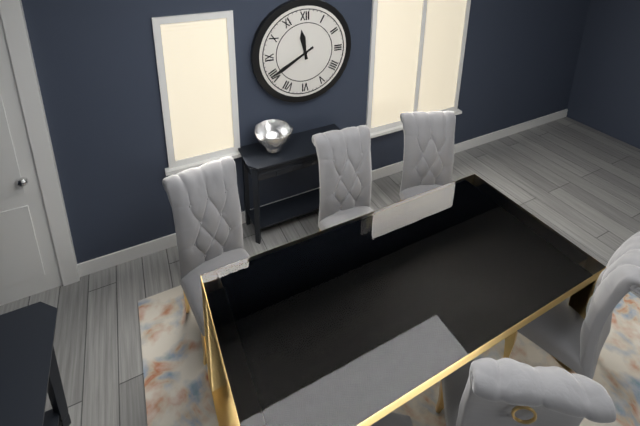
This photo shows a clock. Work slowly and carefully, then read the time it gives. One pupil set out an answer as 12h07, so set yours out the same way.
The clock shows 11h40
